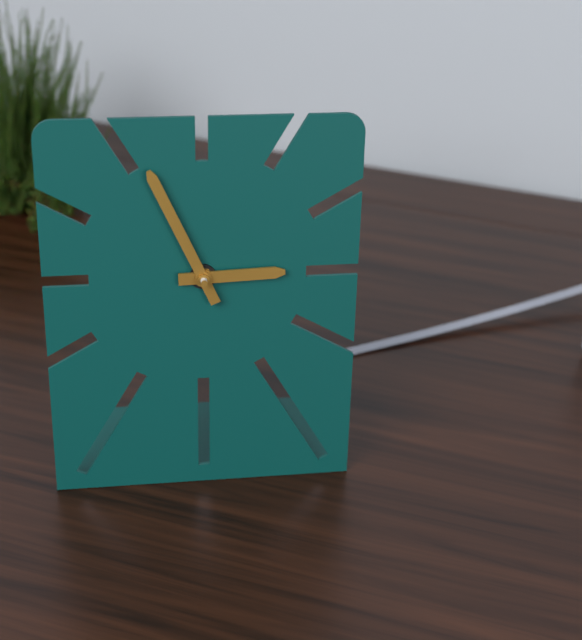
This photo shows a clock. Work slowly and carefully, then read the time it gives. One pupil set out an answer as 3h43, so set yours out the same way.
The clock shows 2h56
